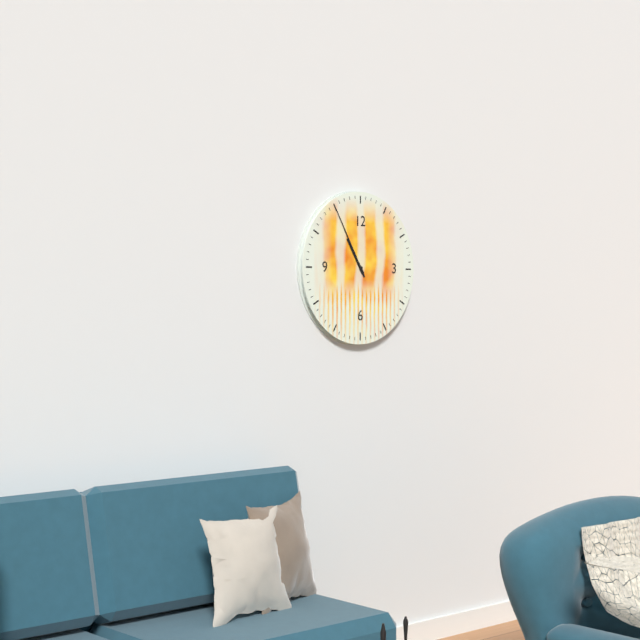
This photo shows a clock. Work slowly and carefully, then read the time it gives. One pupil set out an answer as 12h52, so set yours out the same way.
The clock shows 10h55
